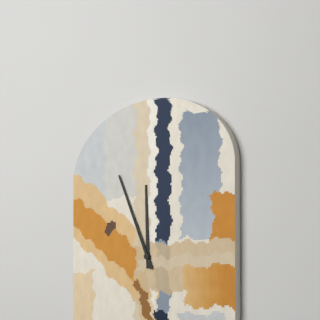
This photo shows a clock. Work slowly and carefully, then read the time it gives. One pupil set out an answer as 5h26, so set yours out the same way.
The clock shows 11h56
